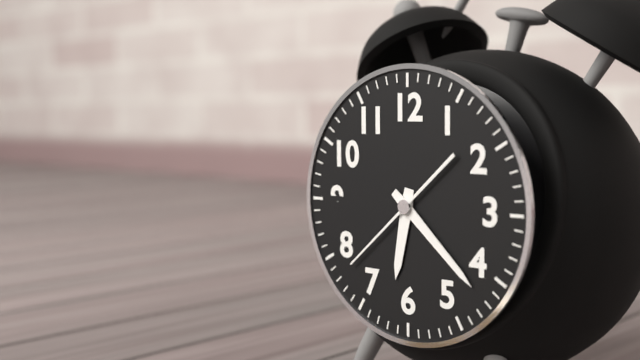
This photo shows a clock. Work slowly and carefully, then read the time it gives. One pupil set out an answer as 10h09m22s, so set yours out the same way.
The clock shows 6h22m38s
